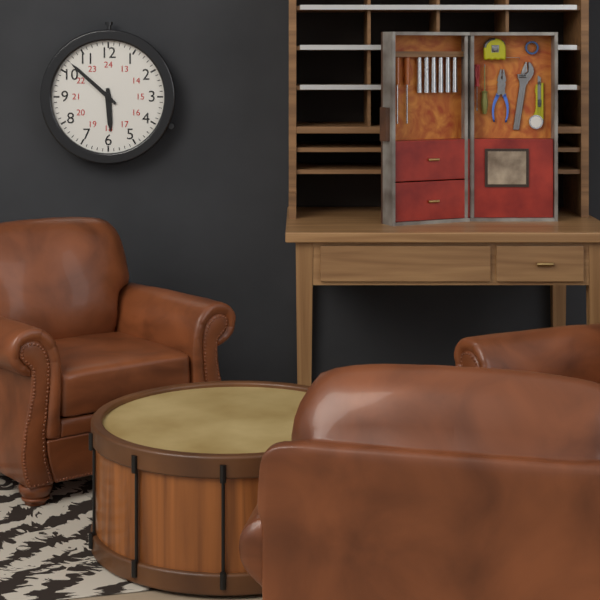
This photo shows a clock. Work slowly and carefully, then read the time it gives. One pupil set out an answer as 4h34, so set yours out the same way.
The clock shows 5h52
